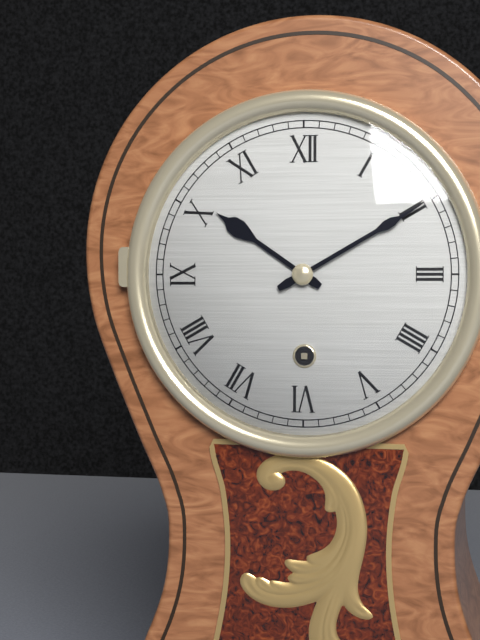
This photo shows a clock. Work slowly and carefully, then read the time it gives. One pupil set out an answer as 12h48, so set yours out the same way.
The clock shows 10h10
